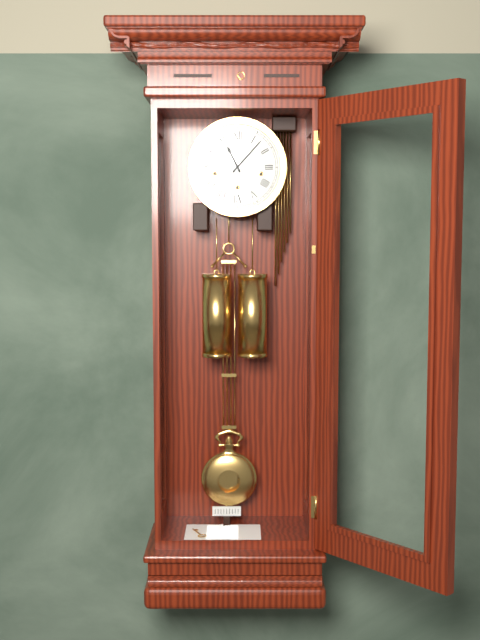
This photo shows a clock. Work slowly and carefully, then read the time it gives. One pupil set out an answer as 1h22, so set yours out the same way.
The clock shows 11h07
